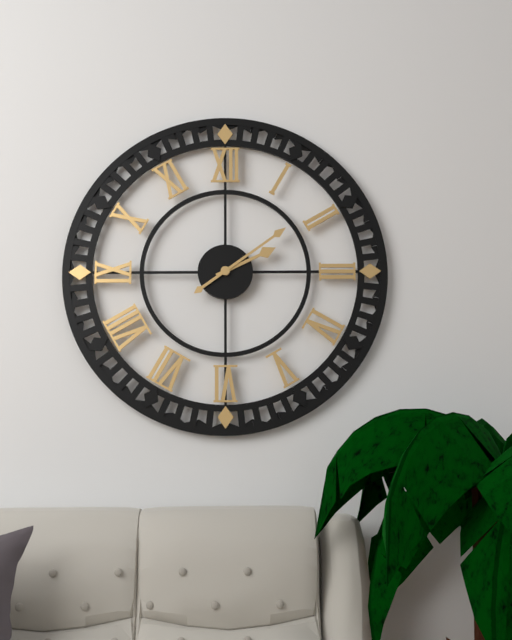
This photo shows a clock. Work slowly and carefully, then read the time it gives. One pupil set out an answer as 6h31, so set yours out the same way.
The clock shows 2h09
